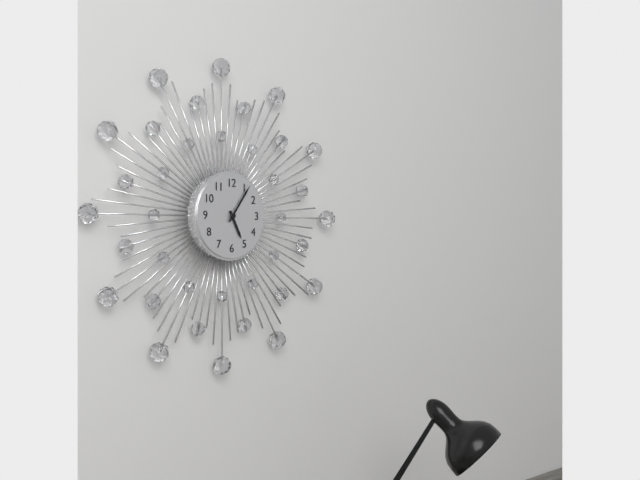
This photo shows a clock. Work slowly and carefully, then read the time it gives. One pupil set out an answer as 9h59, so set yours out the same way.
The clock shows 5h06
